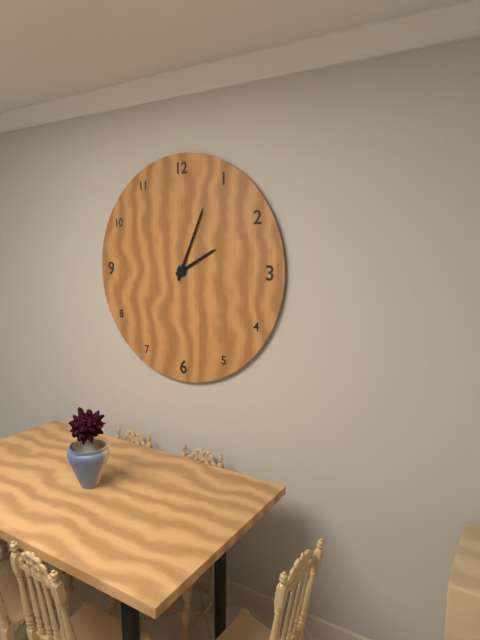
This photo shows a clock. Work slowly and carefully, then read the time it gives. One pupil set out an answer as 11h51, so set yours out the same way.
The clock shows 2h04
